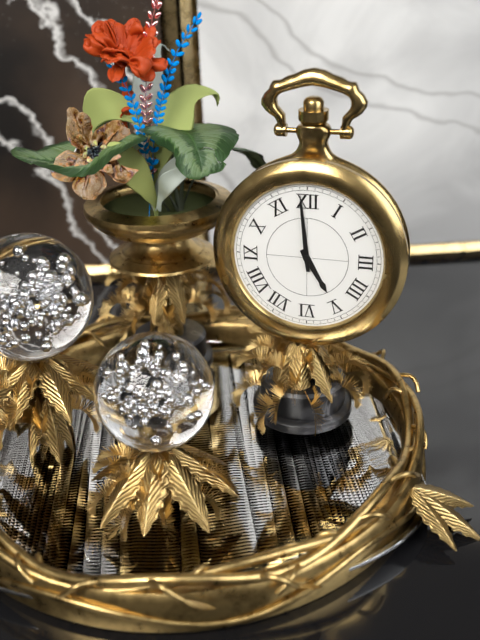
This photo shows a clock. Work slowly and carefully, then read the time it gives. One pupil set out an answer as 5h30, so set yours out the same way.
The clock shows 4h59
